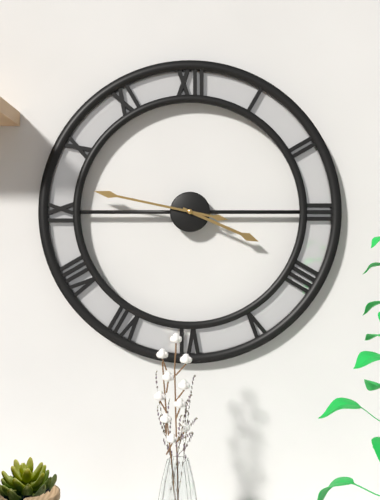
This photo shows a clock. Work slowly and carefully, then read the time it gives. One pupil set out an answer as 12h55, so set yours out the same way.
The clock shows 3h47
